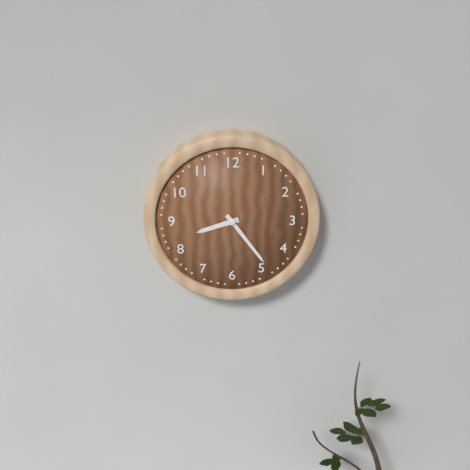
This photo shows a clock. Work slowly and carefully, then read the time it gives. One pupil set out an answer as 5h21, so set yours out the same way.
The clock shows 8h24
